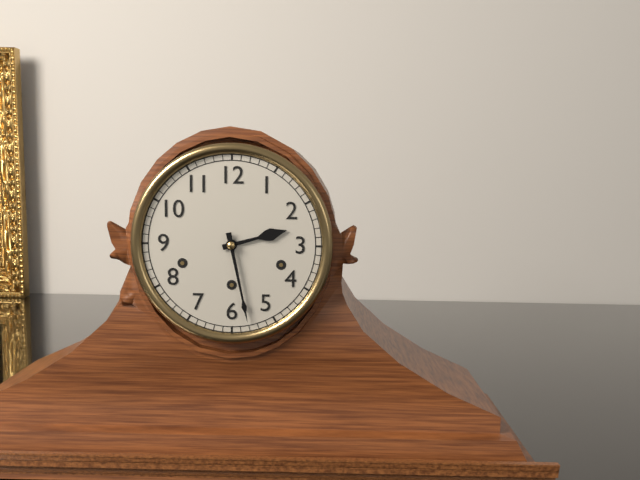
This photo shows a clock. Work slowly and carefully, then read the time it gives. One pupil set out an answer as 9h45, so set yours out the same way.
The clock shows 2h28
